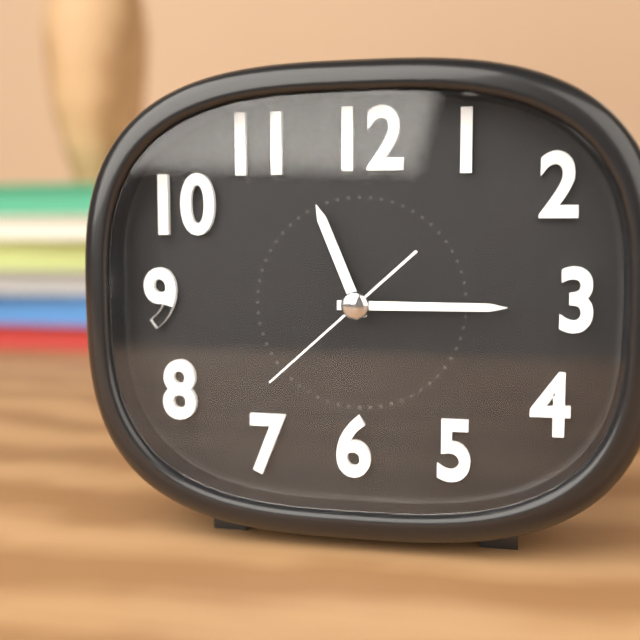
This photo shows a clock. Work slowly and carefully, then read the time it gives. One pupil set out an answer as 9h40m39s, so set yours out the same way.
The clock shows 11h15m38s
